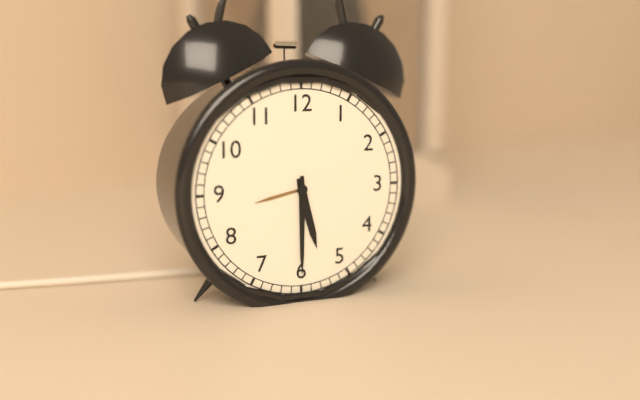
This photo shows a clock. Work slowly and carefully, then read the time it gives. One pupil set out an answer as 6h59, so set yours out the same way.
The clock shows 5h30
